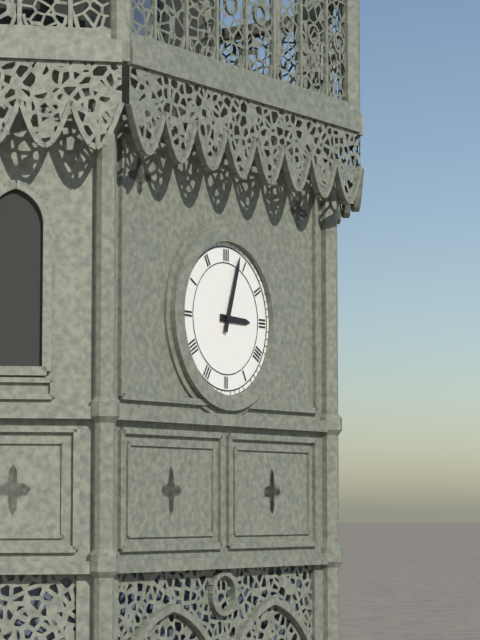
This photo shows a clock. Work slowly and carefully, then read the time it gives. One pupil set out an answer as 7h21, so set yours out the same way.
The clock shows 3h03
